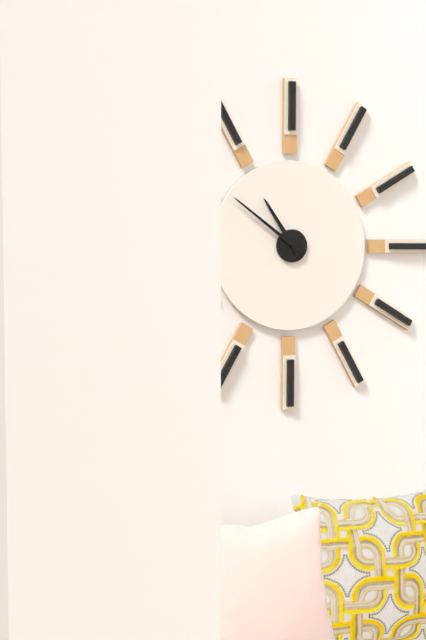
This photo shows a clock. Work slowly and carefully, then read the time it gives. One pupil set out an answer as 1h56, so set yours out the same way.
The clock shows 10h51
